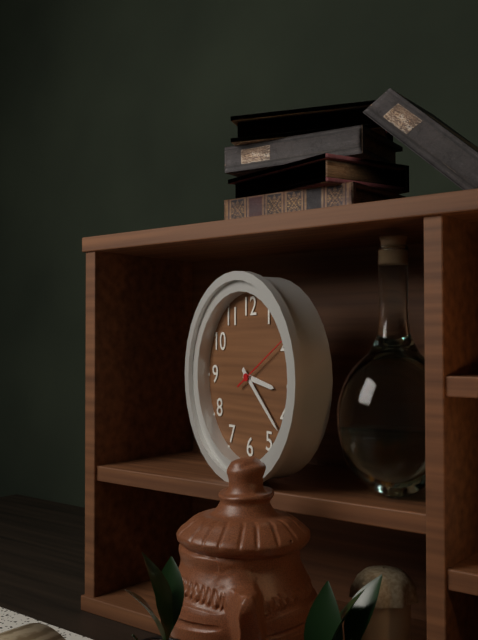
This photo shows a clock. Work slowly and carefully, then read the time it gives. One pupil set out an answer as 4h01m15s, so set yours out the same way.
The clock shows 3h22m10s
